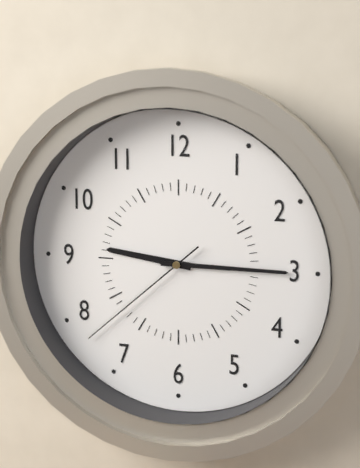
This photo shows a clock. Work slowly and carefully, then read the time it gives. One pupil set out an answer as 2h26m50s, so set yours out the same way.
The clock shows 9h15m38s
